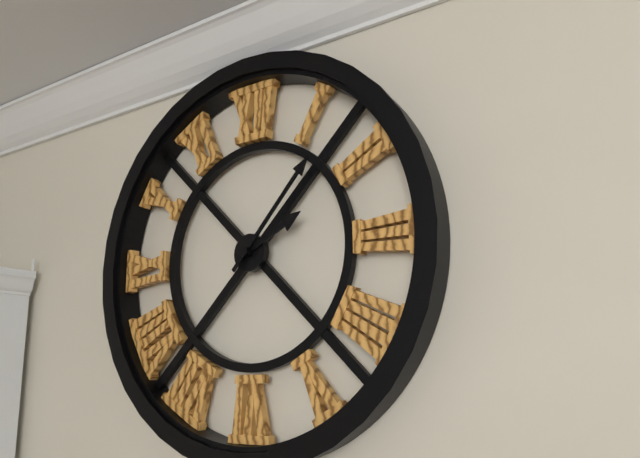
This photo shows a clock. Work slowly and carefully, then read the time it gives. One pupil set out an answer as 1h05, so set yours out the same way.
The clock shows 2h07
